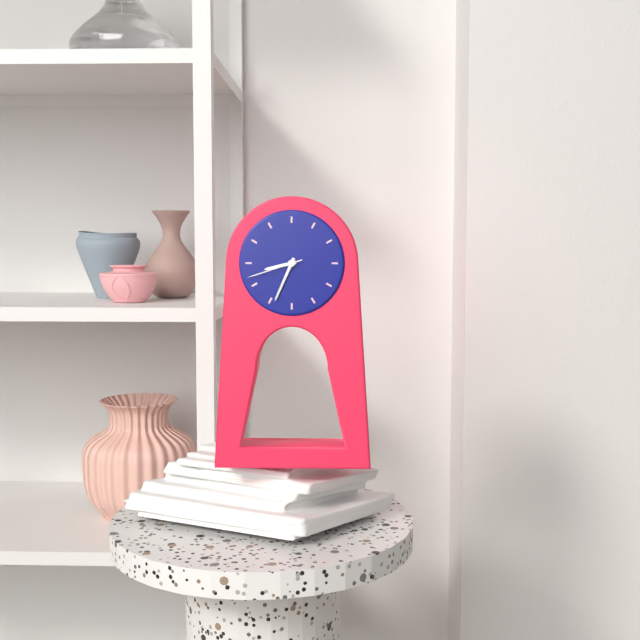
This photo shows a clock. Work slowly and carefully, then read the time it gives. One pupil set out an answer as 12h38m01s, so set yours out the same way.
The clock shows 8h34m42s
